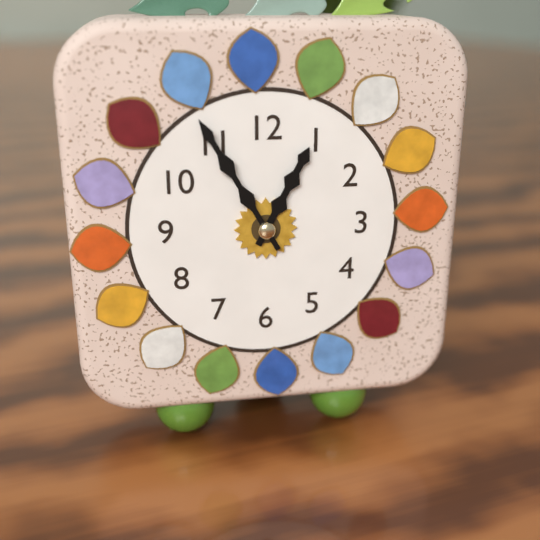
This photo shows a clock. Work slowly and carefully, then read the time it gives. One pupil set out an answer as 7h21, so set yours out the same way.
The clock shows 12h55
